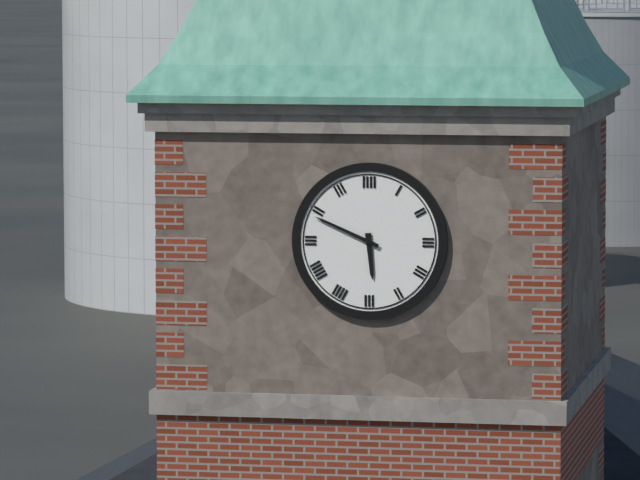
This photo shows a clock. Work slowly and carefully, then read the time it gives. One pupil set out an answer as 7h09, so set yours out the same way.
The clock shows 5h49
